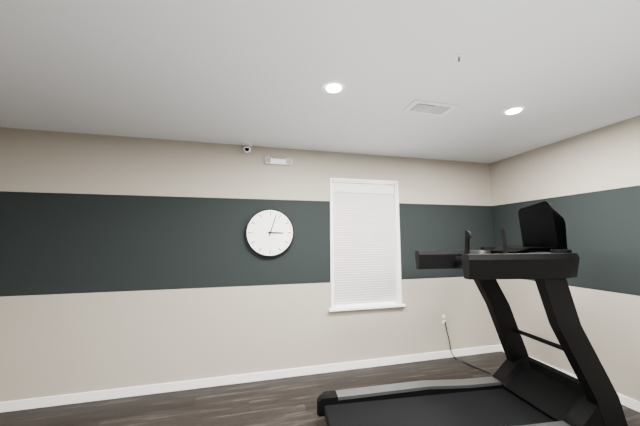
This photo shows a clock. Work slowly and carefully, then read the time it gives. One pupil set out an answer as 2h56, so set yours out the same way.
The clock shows 3h03
